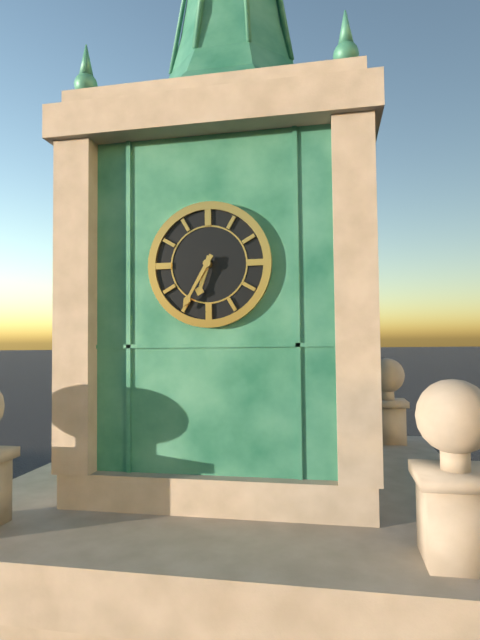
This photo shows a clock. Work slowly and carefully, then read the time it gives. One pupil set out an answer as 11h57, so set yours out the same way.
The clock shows 6h35
